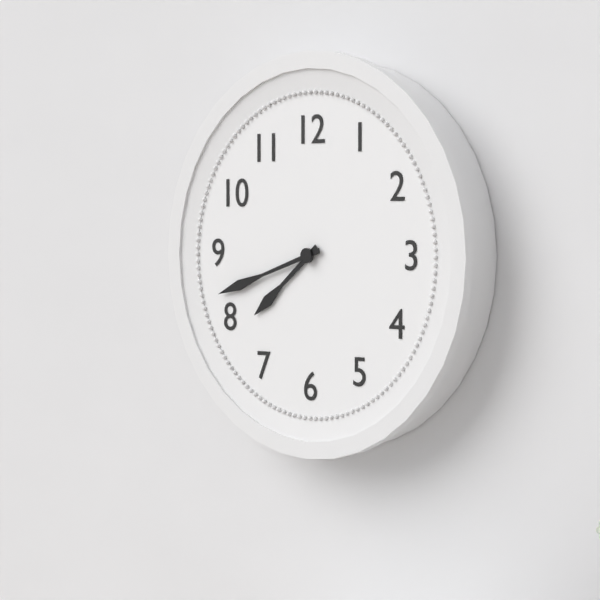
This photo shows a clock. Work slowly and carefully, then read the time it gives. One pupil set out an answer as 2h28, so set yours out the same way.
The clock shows 7h42
